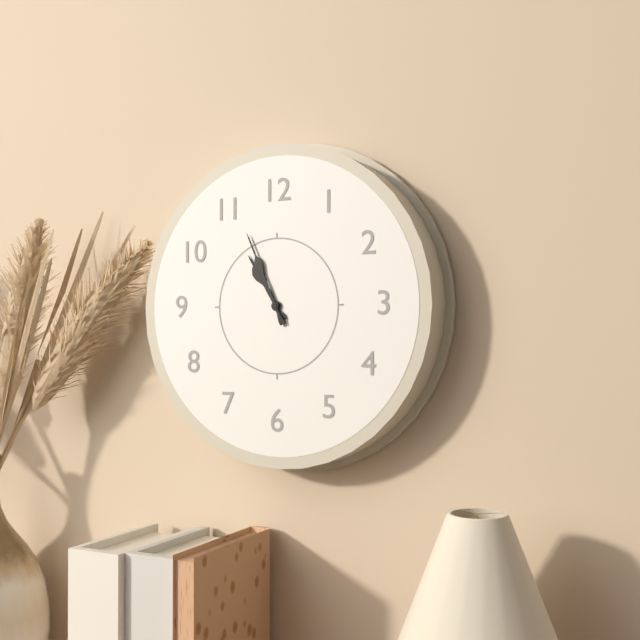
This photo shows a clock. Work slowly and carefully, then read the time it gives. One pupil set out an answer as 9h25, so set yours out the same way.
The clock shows 10h56
